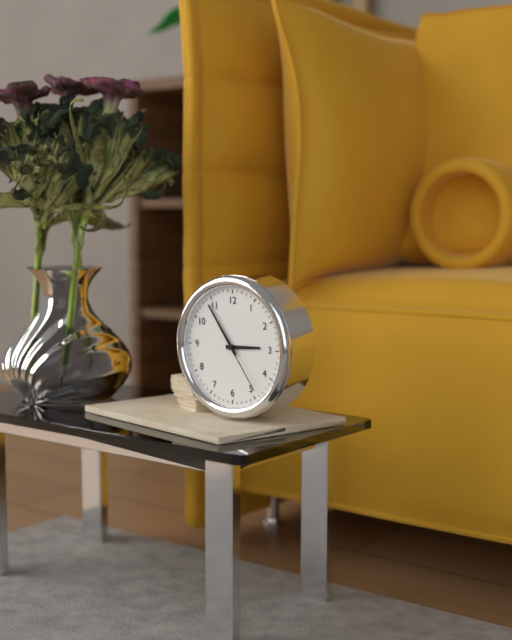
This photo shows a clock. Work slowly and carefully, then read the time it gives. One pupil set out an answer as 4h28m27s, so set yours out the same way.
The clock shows 2h54m24s
